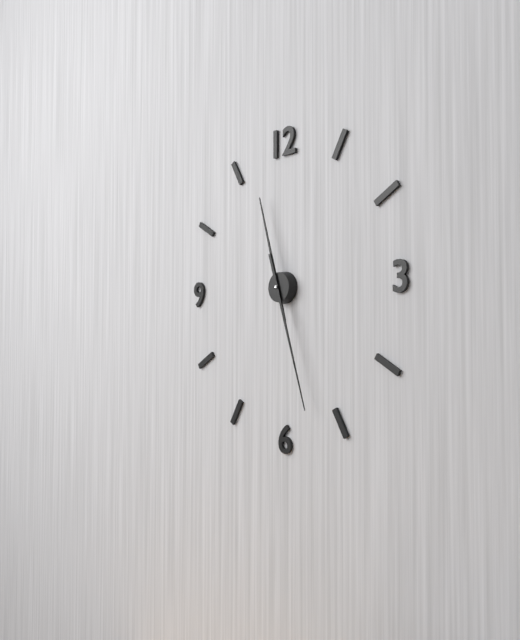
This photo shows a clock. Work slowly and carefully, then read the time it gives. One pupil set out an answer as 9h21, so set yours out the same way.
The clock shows 11h27
